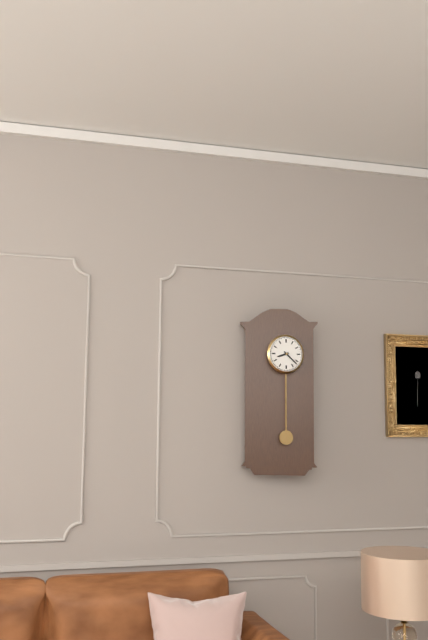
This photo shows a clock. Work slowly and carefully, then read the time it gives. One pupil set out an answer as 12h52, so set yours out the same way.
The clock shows 8h22
